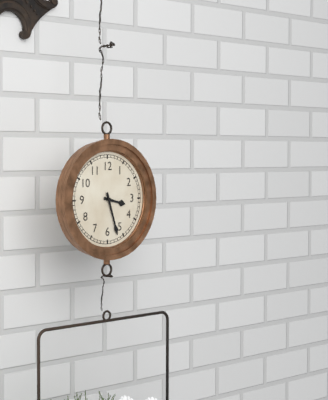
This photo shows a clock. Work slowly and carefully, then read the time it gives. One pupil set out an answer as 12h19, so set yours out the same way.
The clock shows 3h27
